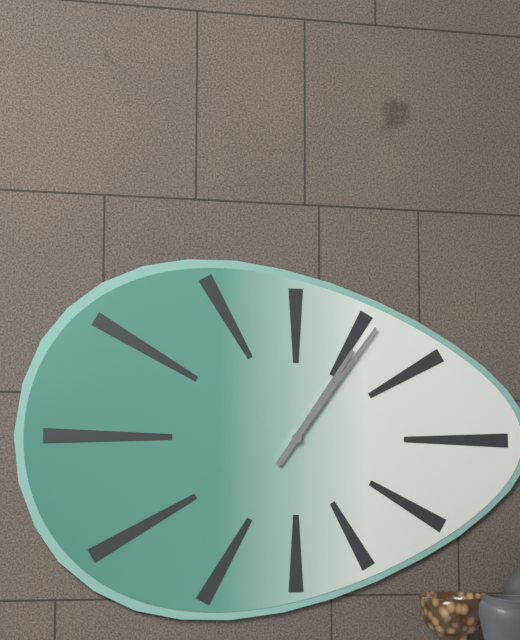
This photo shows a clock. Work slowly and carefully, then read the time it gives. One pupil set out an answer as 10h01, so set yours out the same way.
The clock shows 1h06
